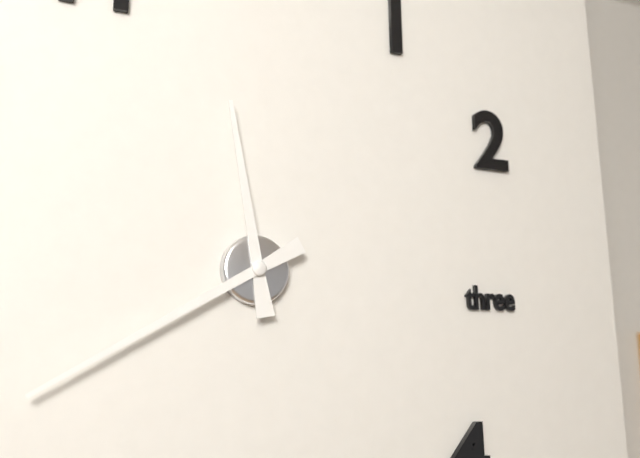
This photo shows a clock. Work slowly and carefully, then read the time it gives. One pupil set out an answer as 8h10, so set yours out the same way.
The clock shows 11h40
